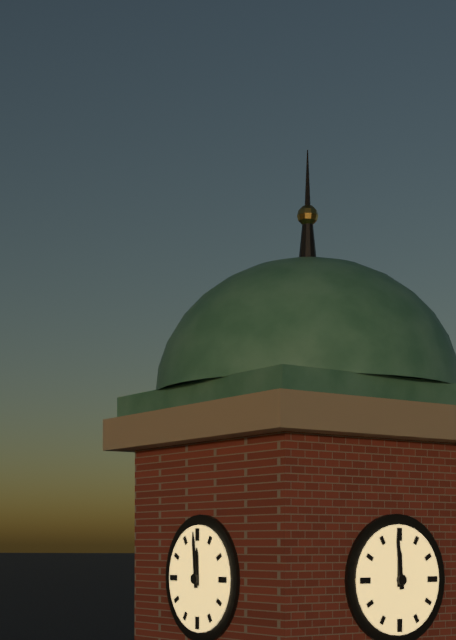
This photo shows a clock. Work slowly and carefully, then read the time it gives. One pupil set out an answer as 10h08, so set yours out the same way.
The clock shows 11h59
